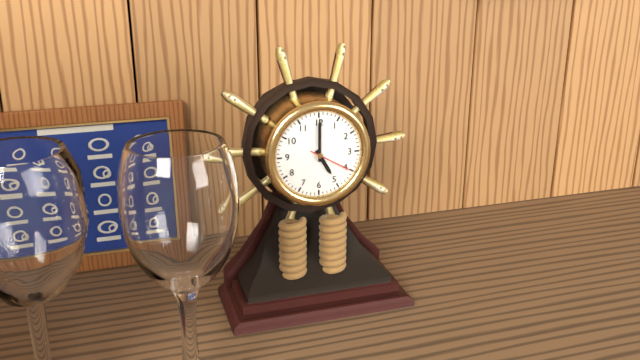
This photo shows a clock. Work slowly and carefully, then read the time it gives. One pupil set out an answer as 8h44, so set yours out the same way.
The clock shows 5h00
